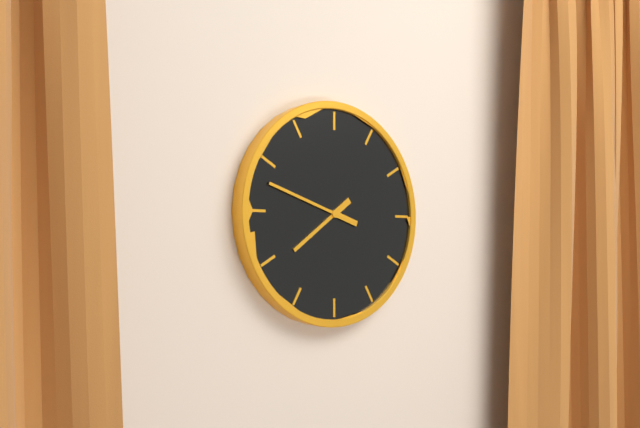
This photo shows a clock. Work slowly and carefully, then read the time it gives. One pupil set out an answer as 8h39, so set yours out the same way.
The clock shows 7h48
